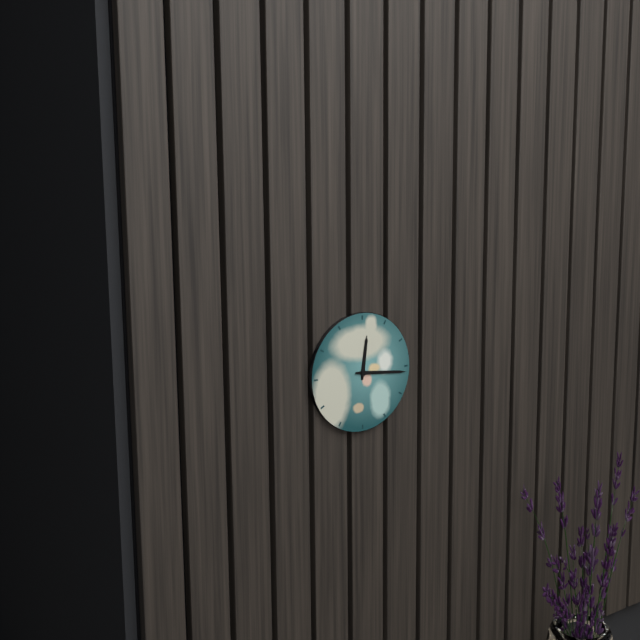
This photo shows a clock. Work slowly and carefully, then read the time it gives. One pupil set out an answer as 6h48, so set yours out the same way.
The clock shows 12h16
